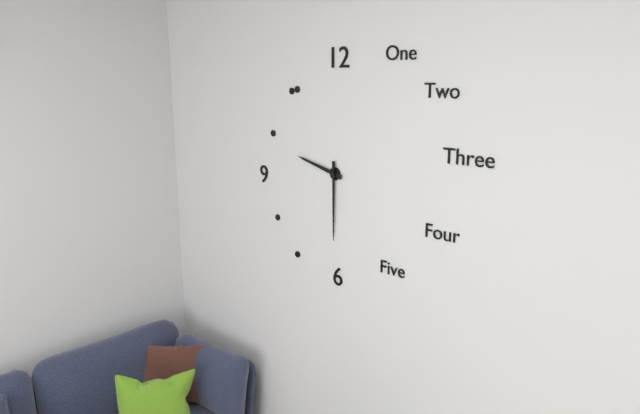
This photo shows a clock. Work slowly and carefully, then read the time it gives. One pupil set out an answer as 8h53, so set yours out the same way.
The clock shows 9h30
